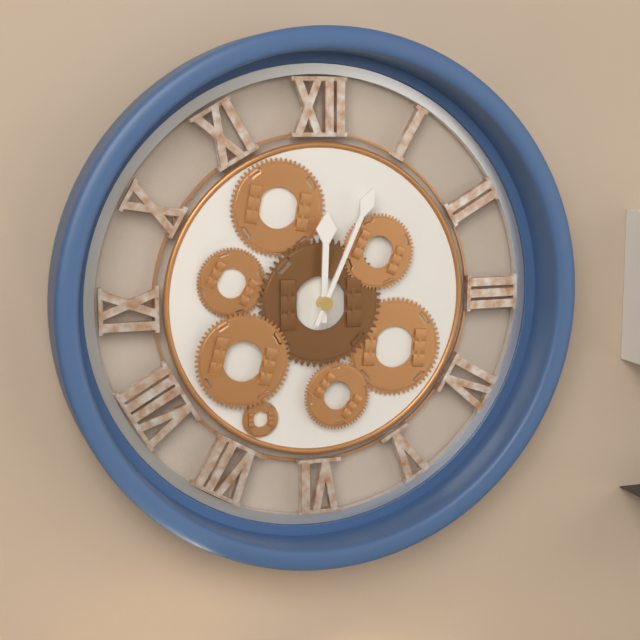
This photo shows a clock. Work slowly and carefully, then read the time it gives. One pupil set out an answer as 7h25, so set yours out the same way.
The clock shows 12h04
